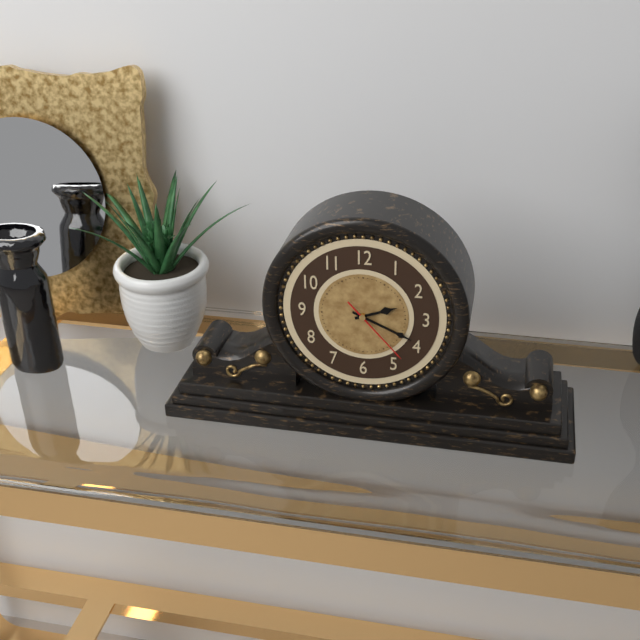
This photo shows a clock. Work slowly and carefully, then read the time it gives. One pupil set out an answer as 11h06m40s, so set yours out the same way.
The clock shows 2h19m23s
